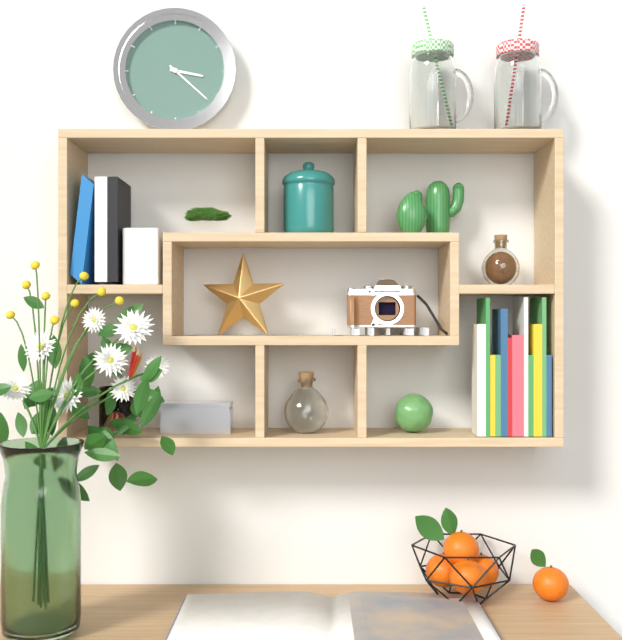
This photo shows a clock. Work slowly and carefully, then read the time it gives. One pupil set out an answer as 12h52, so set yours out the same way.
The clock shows 3h22
